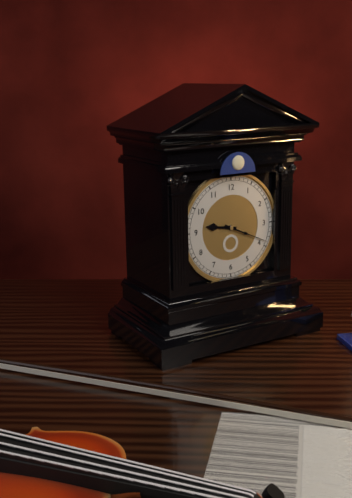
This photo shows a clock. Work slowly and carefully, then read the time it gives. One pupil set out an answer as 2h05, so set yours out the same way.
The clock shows 9h19
